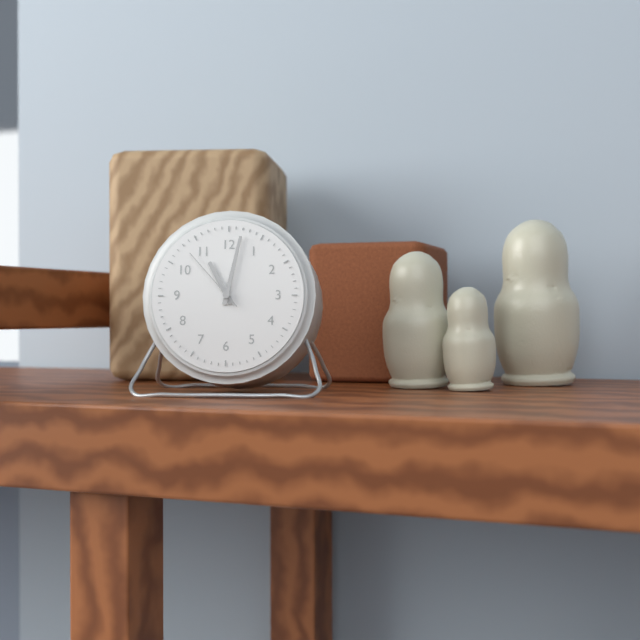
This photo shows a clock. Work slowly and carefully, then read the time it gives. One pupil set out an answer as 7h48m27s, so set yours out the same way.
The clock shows 11h02m53s
